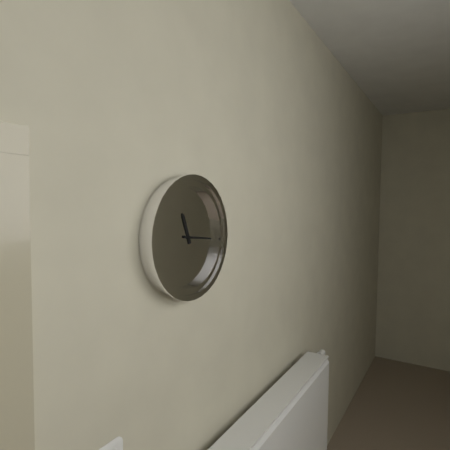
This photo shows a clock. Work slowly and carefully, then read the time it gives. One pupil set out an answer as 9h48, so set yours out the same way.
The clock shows 11h16
